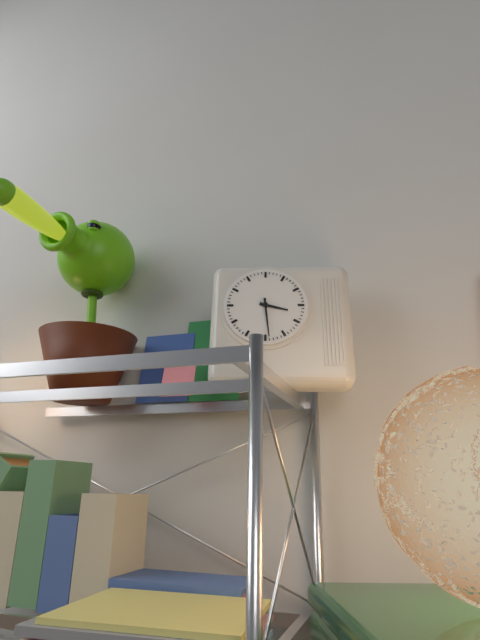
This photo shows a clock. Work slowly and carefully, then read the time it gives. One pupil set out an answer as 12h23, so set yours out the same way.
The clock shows 3h29
